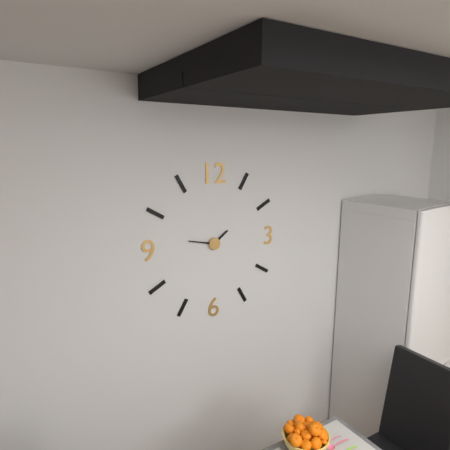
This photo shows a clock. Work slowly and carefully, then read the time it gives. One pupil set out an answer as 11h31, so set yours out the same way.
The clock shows 1h47
